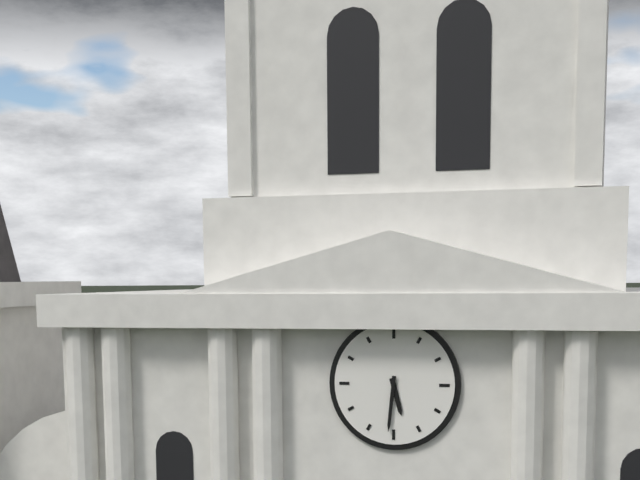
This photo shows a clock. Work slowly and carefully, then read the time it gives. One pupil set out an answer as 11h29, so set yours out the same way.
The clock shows 5h31
